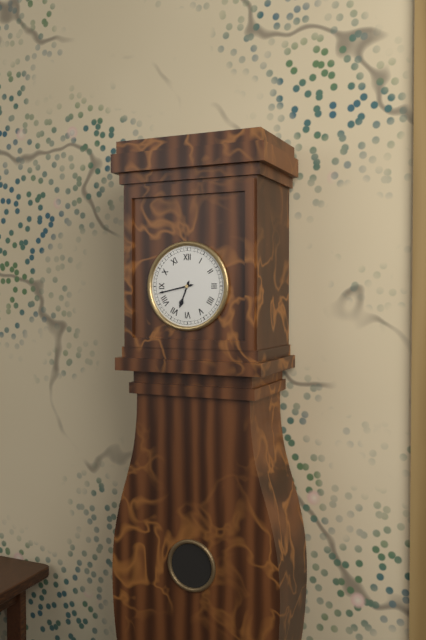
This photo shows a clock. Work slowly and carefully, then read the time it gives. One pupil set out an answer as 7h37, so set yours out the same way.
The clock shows 6h43
